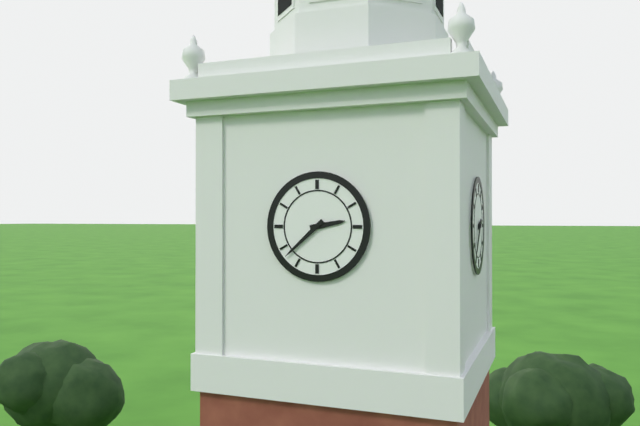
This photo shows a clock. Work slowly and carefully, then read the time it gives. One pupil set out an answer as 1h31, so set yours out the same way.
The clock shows 2h38
